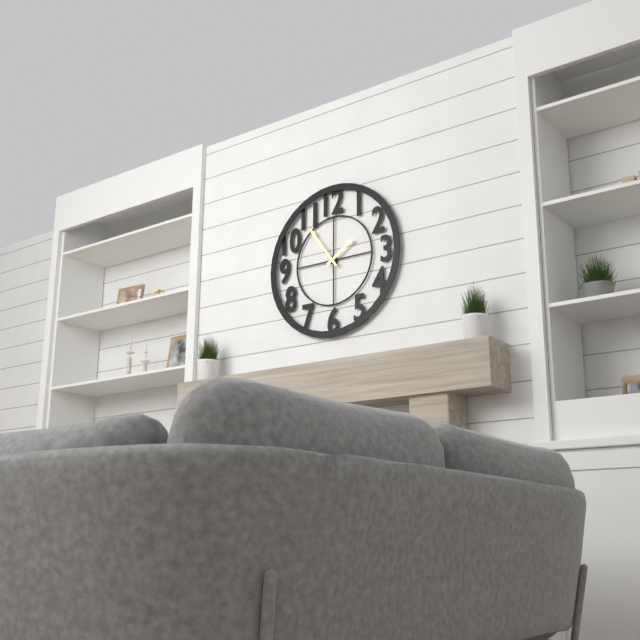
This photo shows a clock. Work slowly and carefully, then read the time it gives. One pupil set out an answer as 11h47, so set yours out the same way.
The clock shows 1h54
